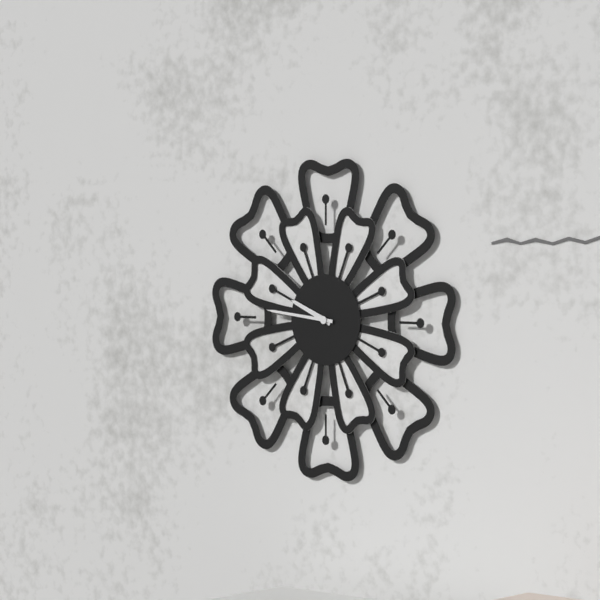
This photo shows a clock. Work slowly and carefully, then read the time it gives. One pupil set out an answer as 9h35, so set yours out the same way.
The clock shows 9h46
